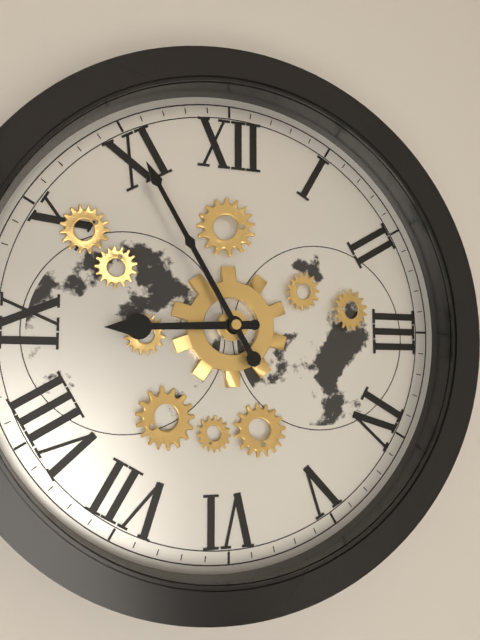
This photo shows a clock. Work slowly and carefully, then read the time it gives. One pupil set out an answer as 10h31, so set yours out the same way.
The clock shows 8h55
